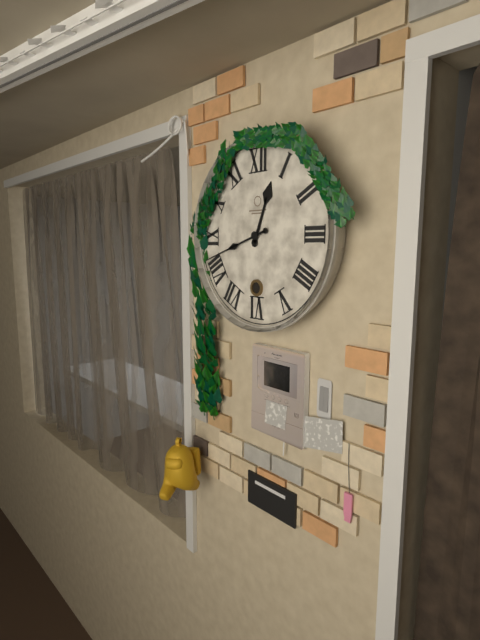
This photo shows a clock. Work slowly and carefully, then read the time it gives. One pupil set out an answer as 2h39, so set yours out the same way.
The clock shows 12h42
